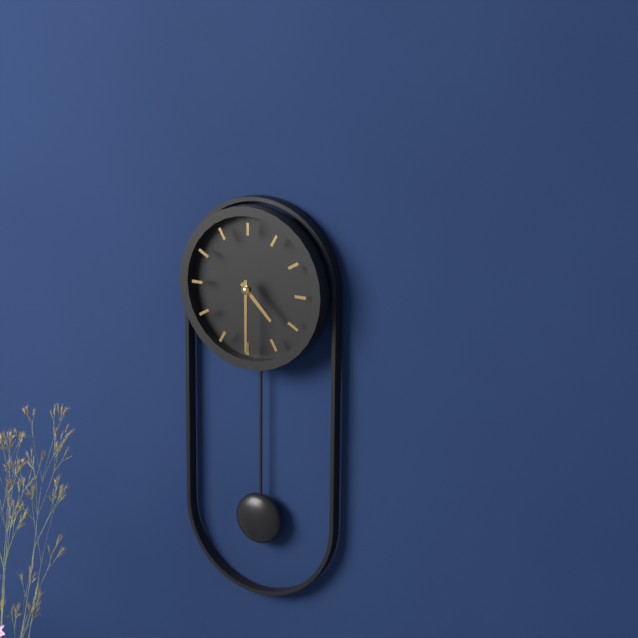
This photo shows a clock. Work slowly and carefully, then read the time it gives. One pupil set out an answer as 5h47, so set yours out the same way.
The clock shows 4h30
